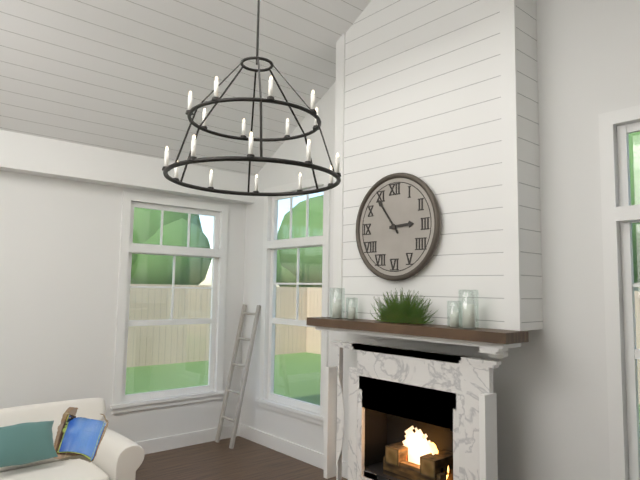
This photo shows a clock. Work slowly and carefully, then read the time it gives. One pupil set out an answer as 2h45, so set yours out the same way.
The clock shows 2h54
